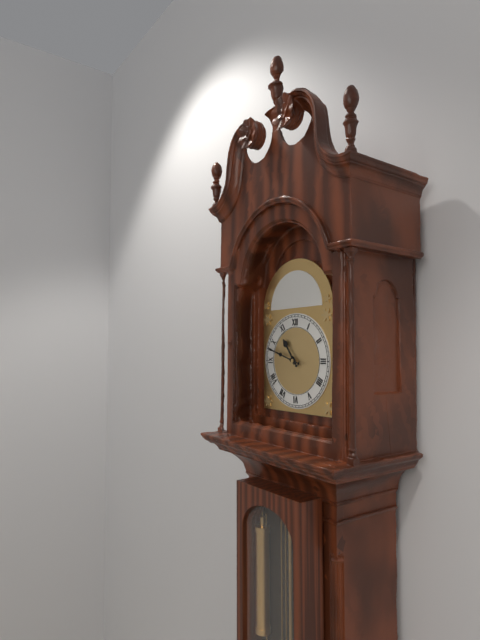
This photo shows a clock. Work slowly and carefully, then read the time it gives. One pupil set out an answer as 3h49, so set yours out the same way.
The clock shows 10h48
